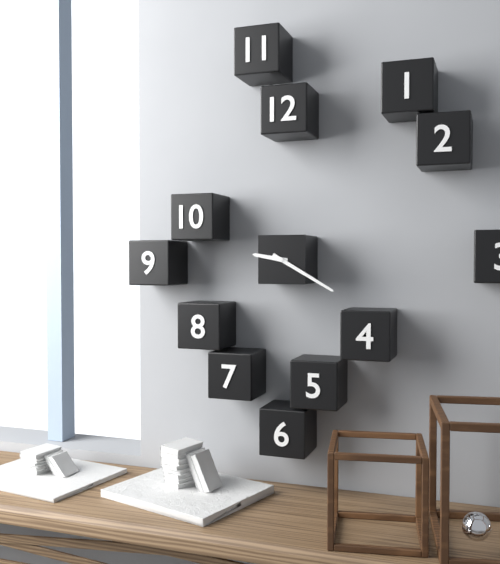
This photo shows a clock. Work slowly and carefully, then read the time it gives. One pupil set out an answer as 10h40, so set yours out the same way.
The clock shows 9h20
